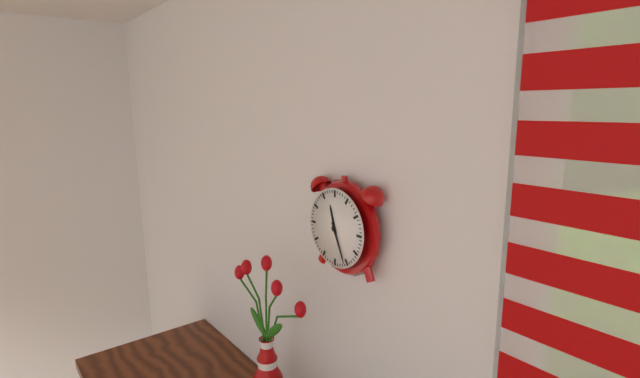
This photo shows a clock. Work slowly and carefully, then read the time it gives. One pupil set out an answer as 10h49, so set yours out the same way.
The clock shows 11h26
